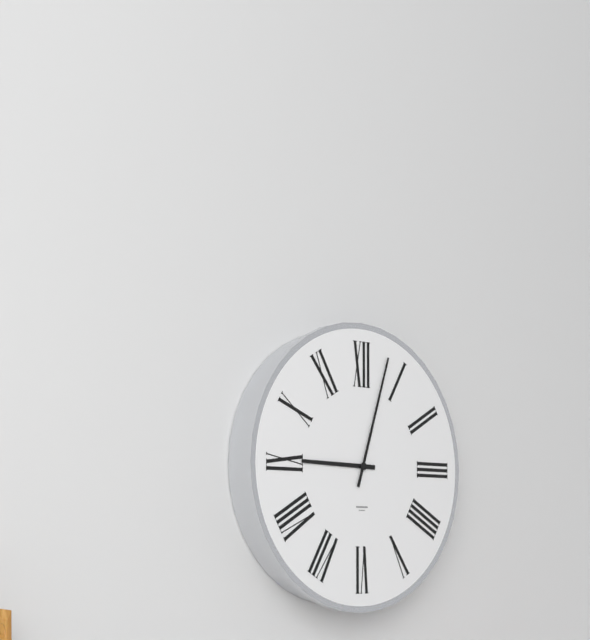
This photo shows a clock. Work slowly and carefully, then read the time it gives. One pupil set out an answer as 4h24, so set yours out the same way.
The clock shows 9h03
